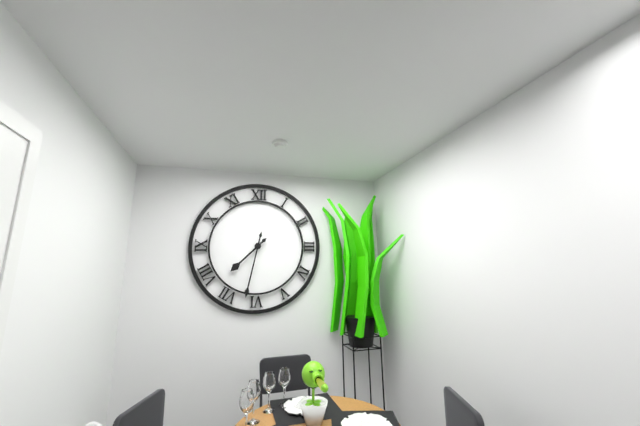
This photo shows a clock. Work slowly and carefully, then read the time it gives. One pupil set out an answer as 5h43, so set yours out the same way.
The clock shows 7h32
